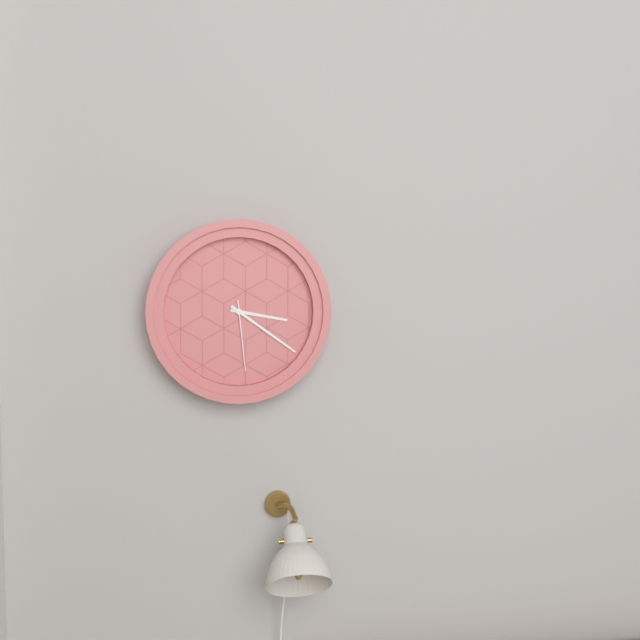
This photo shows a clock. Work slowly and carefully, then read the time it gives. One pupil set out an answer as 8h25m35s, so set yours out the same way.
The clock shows 3h21m29s
